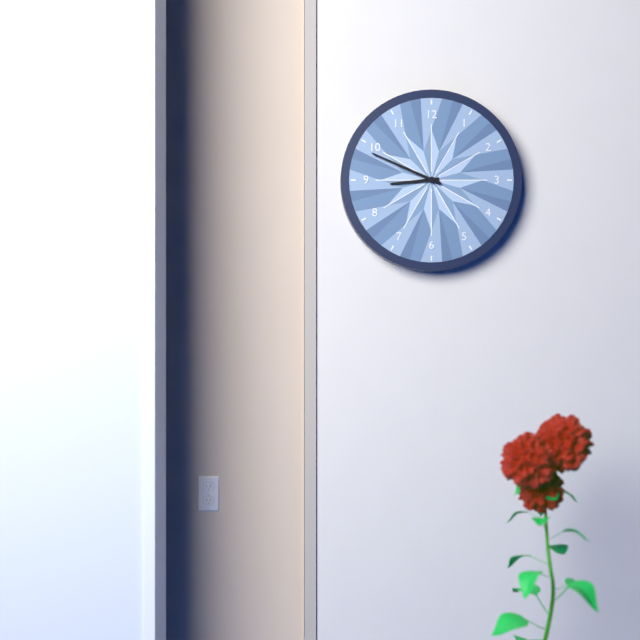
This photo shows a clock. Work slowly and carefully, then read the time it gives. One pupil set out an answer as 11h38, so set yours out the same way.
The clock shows 8h49
